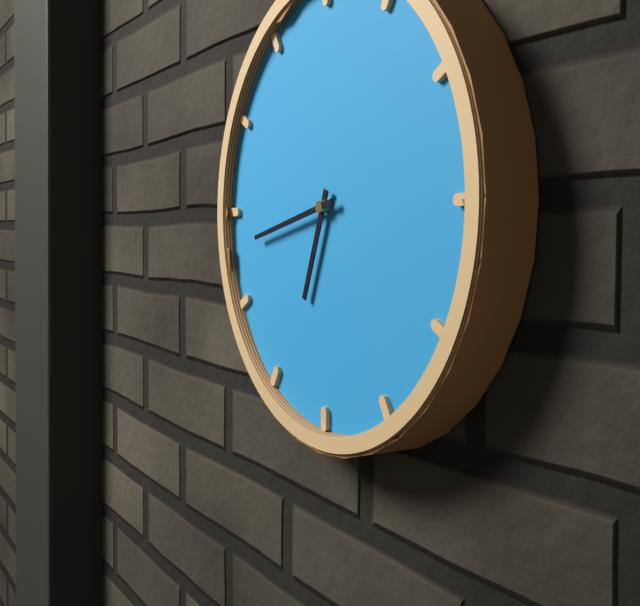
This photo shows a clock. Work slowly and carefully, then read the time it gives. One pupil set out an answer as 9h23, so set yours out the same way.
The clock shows 6h43
